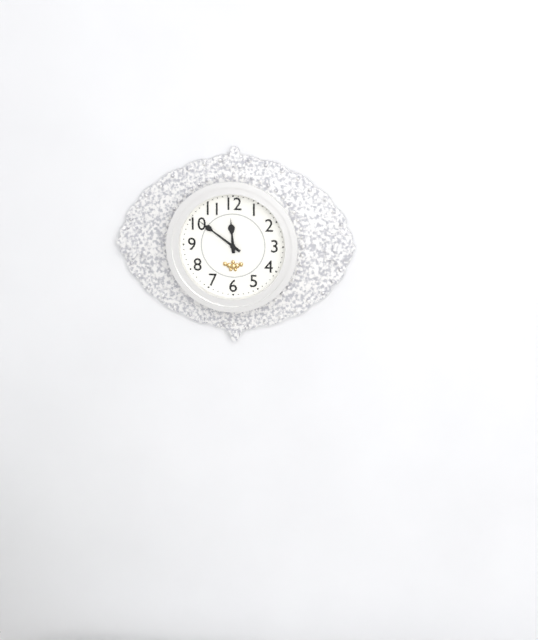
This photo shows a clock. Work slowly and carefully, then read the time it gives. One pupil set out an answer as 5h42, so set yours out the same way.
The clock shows 11h51
